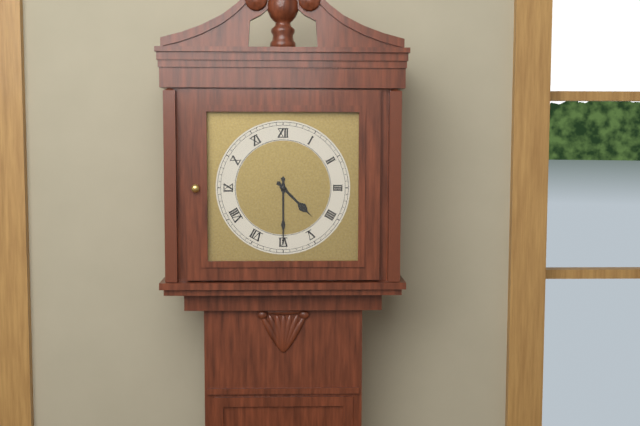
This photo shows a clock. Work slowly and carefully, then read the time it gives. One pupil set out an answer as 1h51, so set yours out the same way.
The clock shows 4h30
